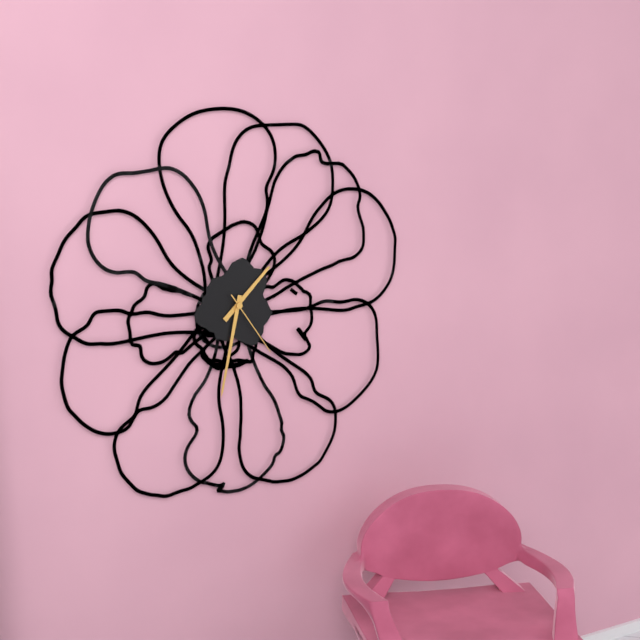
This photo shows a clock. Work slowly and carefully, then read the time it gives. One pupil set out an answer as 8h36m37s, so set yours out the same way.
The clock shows 1h32m24s
